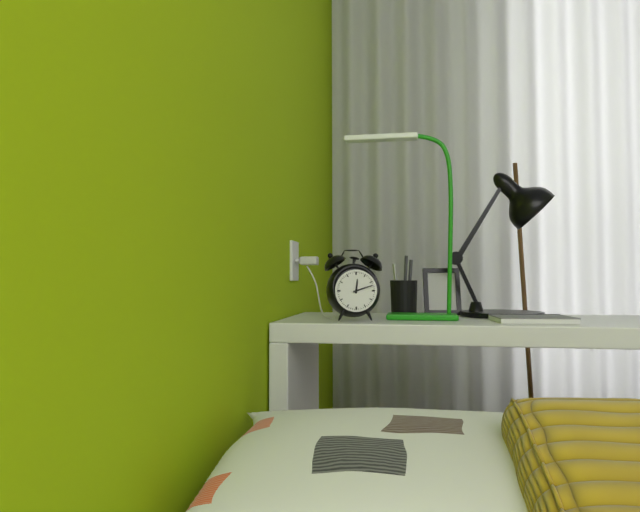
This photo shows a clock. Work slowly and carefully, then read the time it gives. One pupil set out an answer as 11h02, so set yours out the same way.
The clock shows 12h12
